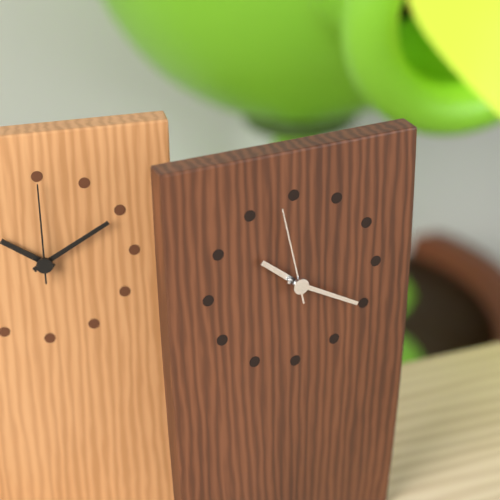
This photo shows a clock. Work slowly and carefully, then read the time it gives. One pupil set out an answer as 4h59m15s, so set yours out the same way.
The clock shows 10h20m58s
